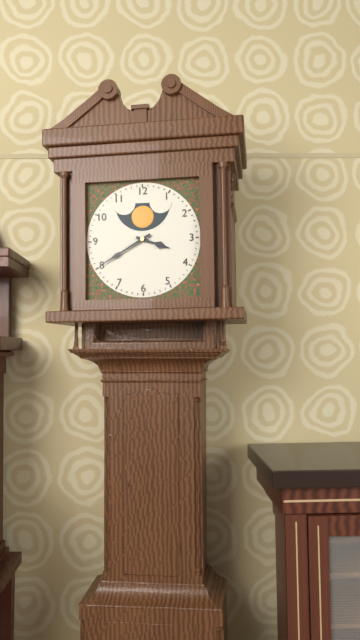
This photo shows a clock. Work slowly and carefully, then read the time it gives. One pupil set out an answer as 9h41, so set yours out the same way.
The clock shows 3h40
